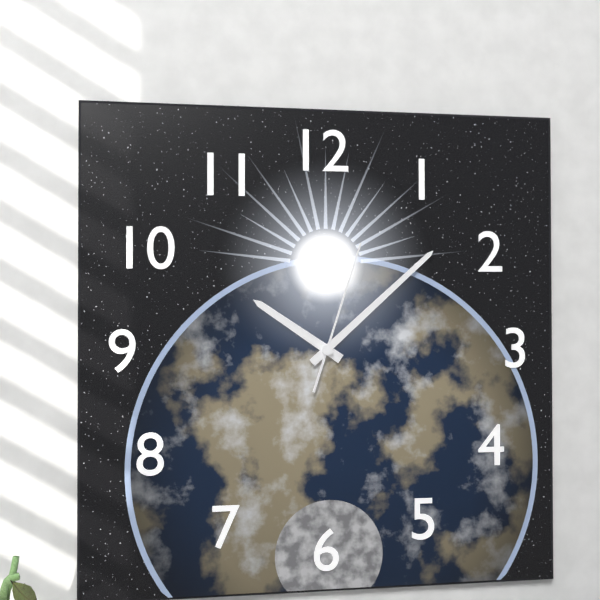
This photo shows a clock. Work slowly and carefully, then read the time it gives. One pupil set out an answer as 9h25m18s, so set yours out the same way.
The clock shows 10h08m03s
